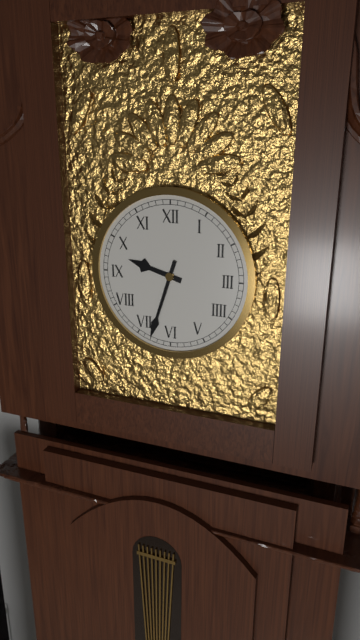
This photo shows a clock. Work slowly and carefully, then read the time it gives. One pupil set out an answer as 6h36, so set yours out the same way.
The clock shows 9h33
